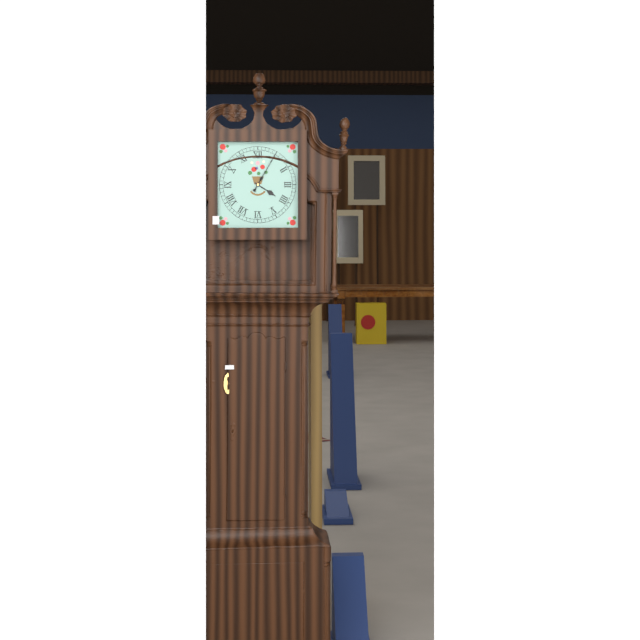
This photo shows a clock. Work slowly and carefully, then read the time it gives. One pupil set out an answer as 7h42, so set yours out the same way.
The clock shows 4h05
